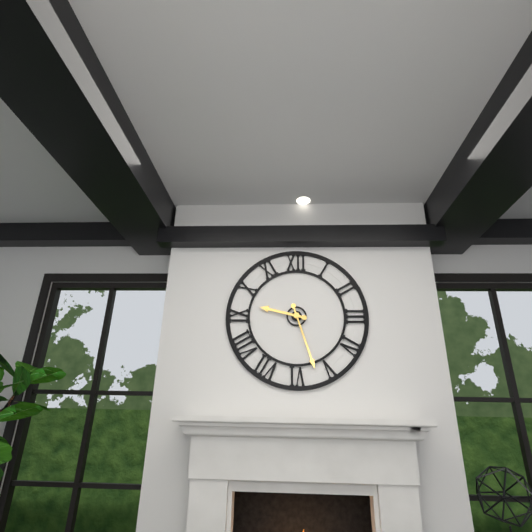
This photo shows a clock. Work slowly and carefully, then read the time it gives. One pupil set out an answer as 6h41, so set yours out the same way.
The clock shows 9h27
